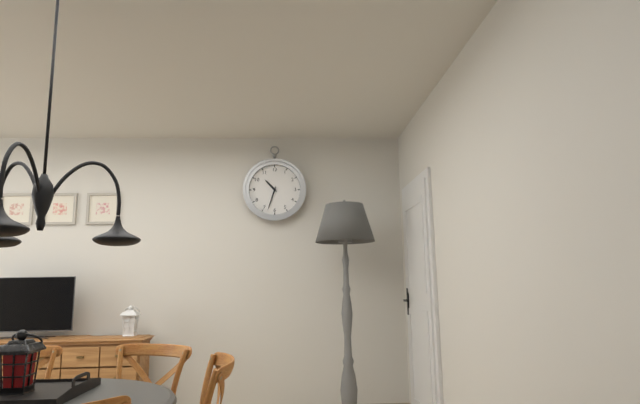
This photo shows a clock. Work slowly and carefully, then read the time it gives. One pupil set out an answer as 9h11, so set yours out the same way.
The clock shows 10h33
